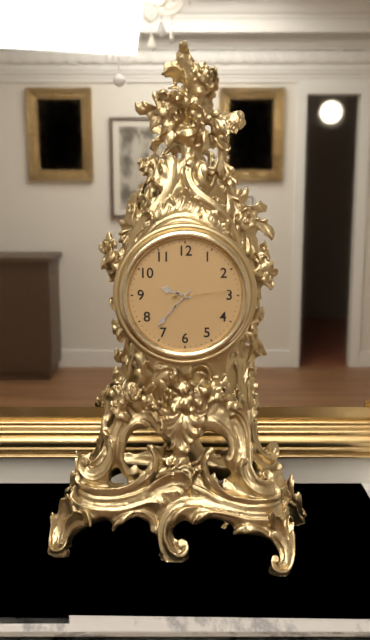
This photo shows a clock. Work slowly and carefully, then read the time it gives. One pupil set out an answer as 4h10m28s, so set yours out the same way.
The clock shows 9h37m14s
